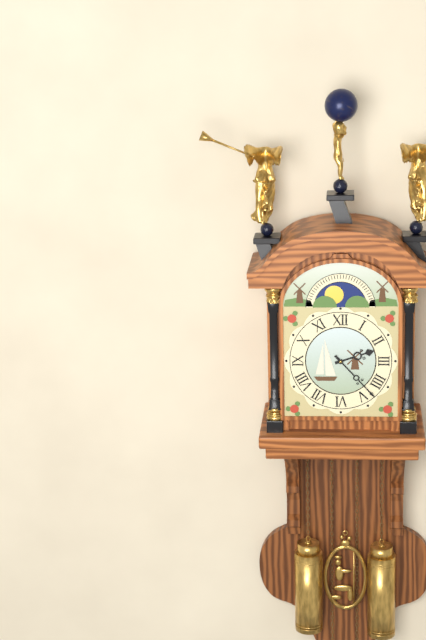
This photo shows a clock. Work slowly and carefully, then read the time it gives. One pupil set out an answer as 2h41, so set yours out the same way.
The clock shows 2h23
